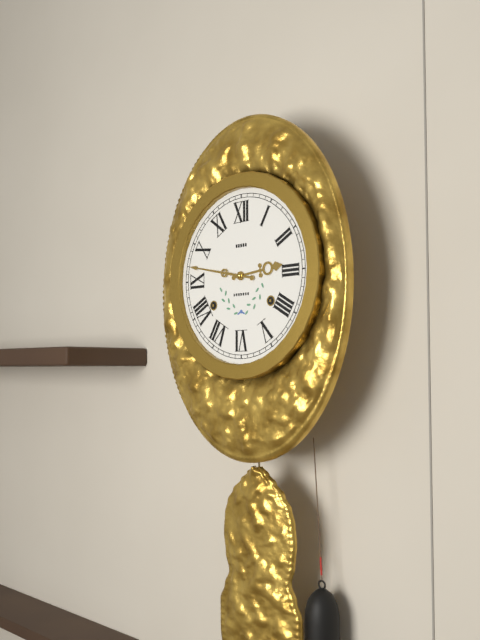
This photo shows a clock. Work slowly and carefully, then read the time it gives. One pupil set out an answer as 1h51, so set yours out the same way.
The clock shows 2h47
